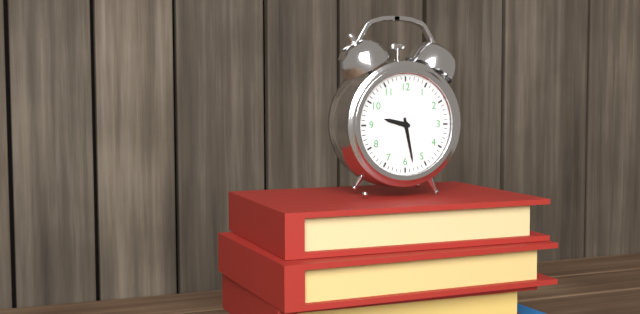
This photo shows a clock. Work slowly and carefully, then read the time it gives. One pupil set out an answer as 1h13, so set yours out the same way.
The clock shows 9h28
